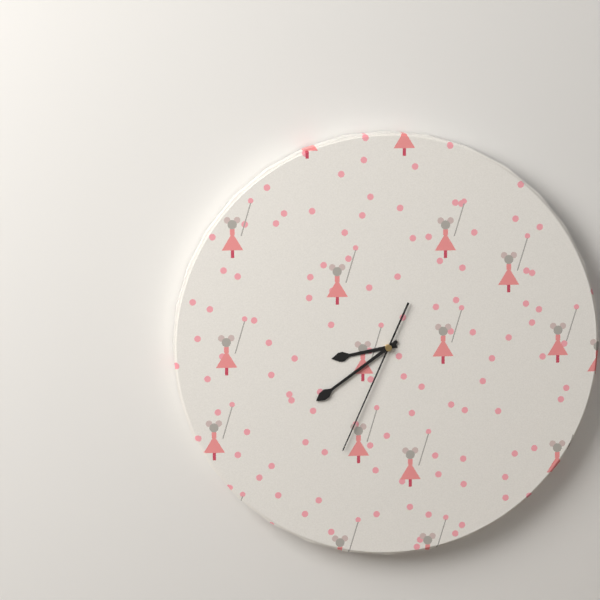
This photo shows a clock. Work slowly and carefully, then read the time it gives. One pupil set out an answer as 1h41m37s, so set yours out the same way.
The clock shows 8h39m34s
